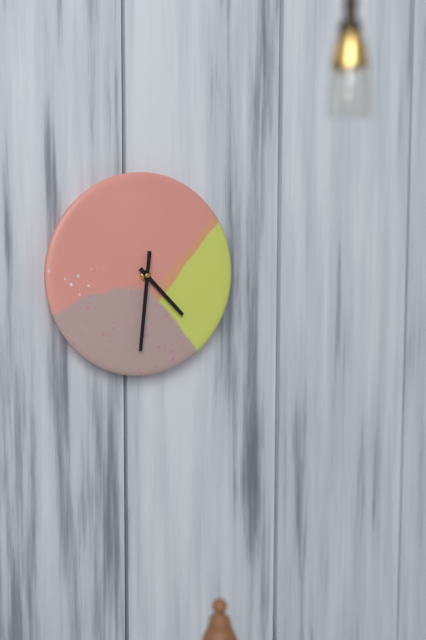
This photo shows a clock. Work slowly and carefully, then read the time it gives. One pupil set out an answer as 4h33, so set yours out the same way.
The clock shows 4h31
